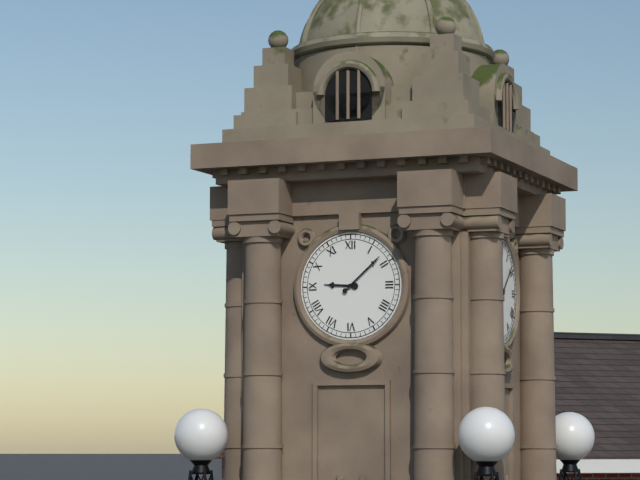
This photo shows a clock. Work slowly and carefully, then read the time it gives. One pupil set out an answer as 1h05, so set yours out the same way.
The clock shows 9h08
